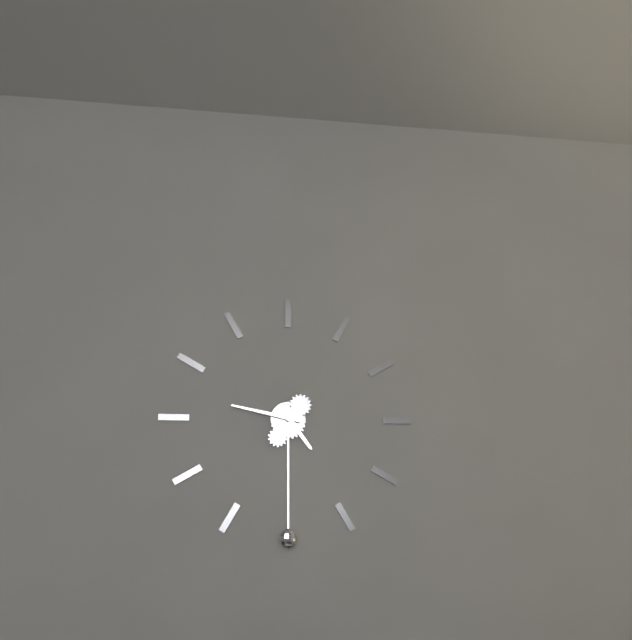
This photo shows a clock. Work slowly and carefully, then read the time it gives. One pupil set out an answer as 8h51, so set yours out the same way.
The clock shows 4h47
